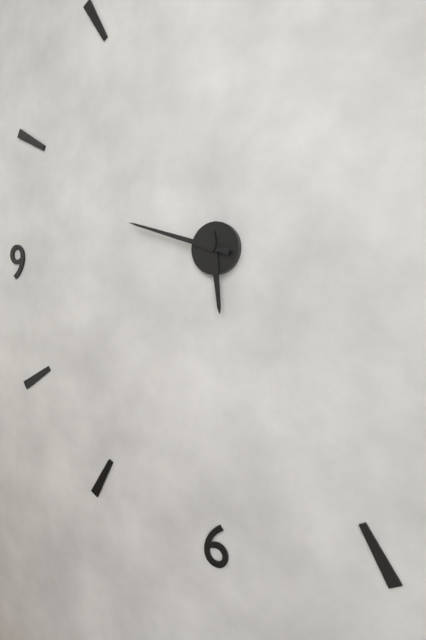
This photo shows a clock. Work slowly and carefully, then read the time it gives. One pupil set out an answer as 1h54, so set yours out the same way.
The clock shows 5h48
